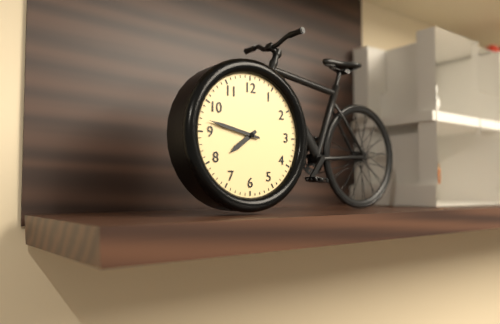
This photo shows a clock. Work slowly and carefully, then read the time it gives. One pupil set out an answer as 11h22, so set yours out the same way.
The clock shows 7h47
